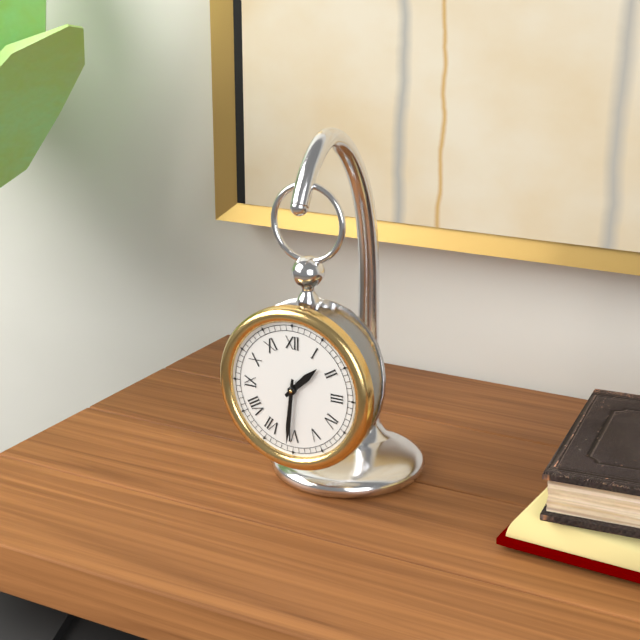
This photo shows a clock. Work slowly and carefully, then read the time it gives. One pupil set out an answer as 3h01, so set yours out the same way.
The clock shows 1h31
